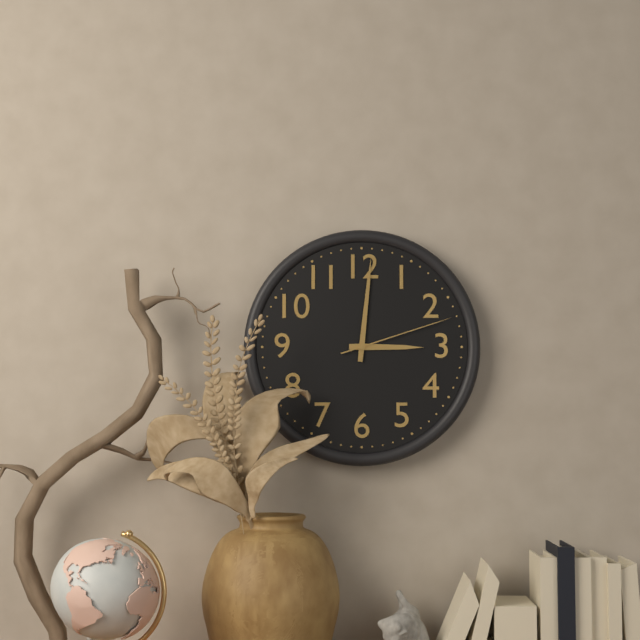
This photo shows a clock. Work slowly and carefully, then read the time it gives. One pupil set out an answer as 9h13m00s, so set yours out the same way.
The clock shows 3h01m12s
